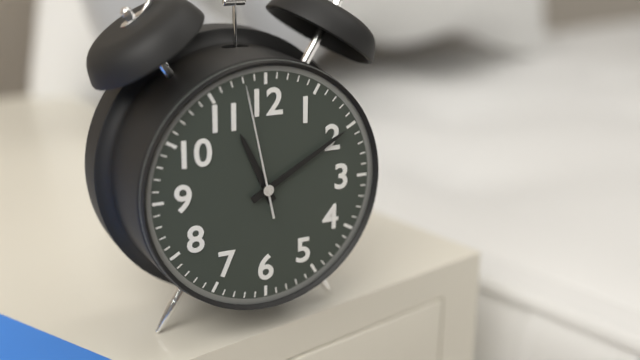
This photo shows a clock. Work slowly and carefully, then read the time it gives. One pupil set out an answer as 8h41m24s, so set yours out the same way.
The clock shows 11h10m58s
